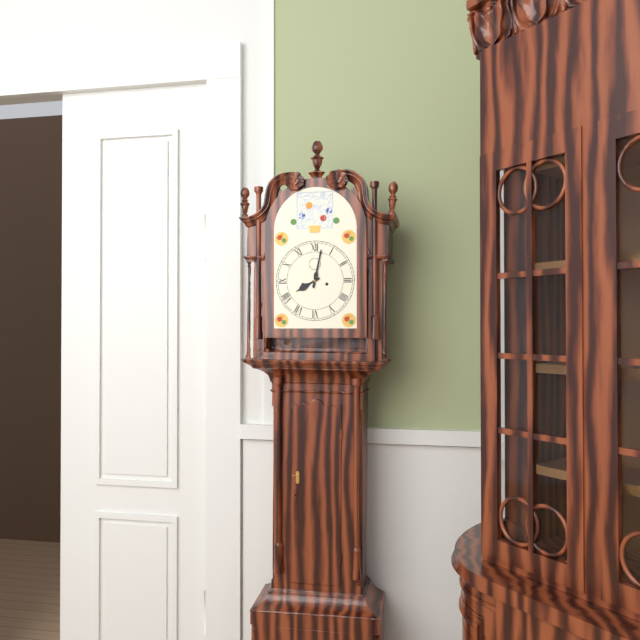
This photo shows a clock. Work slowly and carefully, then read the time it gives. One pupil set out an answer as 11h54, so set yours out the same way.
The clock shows 8h02
